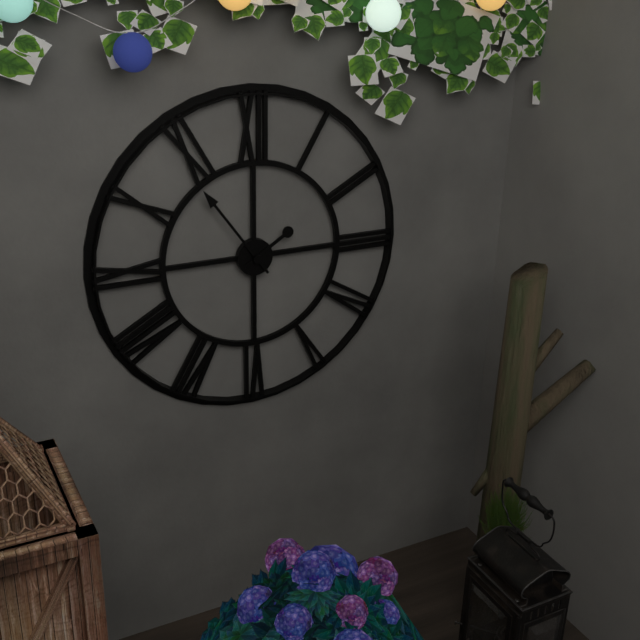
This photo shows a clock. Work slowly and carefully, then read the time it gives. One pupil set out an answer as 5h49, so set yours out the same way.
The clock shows 1h54
